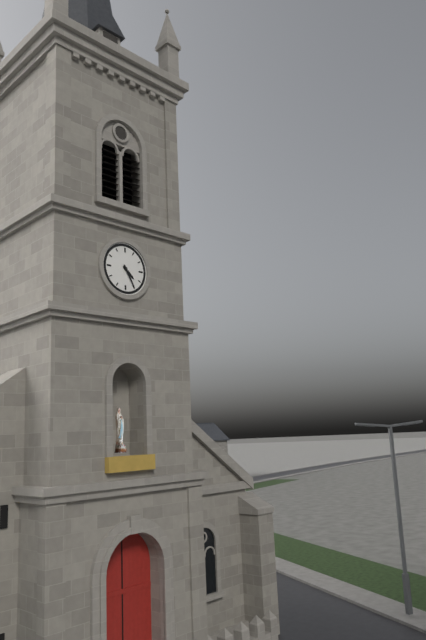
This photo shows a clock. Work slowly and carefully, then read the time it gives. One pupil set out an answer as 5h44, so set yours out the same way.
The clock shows 4h25
